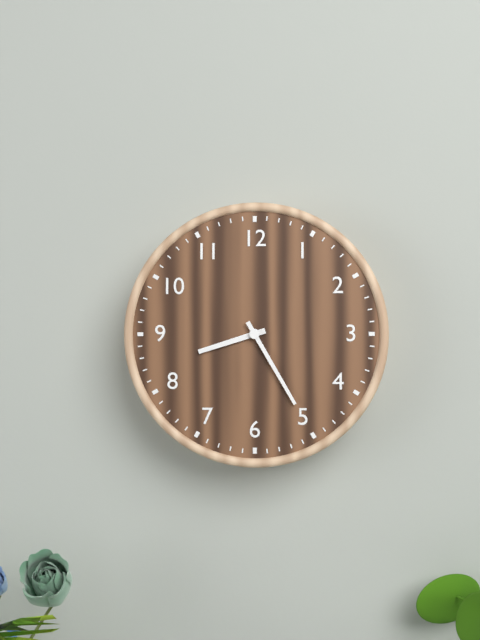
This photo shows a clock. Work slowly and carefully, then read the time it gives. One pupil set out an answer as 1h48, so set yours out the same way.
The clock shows 8h25
